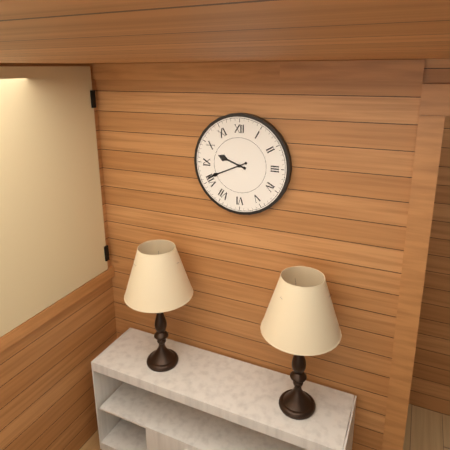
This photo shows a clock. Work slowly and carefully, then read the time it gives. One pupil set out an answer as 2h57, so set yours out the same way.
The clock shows 9h41
